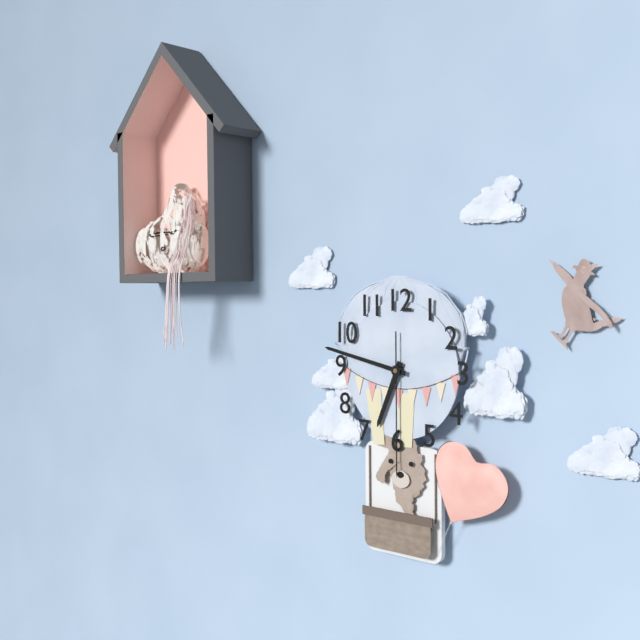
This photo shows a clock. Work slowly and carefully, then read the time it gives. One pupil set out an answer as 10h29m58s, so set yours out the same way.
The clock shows 6h47m30s
